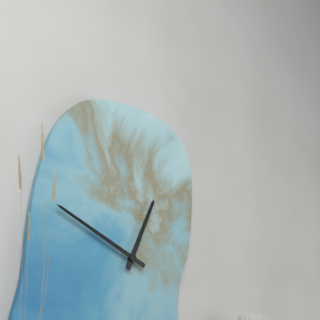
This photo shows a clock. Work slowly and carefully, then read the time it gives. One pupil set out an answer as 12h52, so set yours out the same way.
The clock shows 12h49
